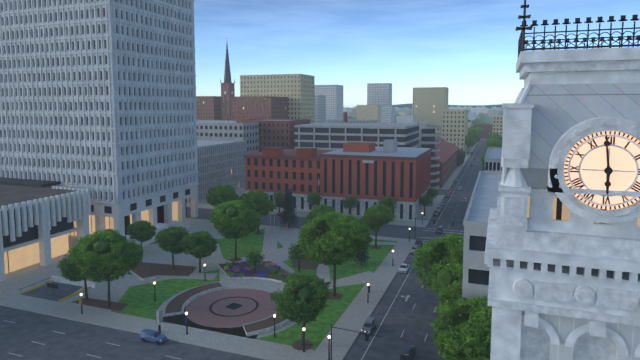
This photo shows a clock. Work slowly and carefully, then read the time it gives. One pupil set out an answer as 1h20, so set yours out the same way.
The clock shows 5h59
